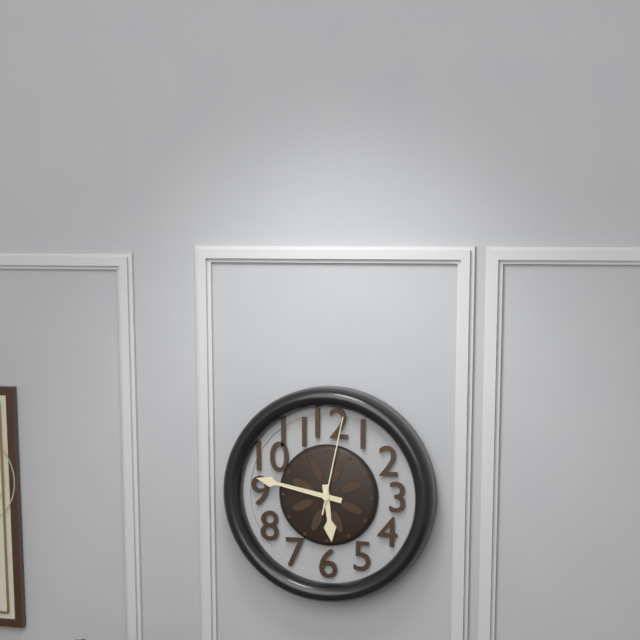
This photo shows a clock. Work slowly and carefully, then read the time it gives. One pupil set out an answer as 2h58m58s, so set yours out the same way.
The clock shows 5h47m02s
